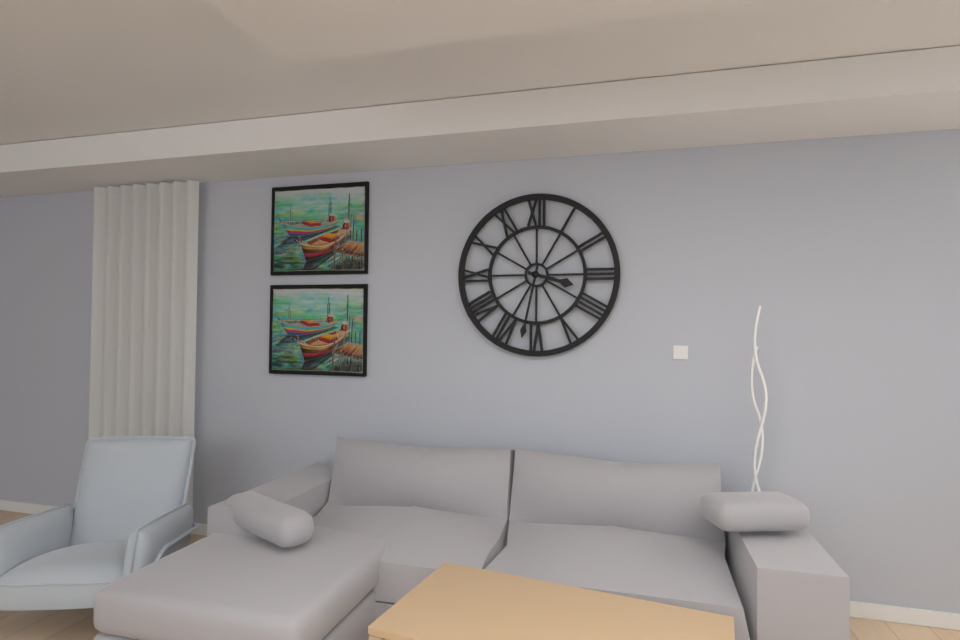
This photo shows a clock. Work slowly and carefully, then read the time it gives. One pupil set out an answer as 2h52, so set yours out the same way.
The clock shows 3h32
